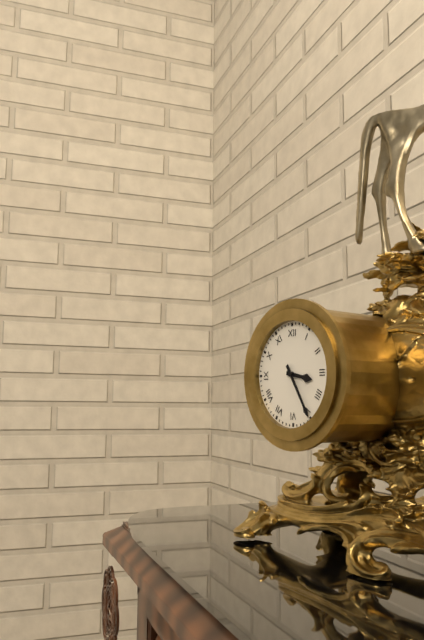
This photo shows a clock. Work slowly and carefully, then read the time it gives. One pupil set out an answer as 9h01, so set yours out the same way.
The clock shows 3h25
